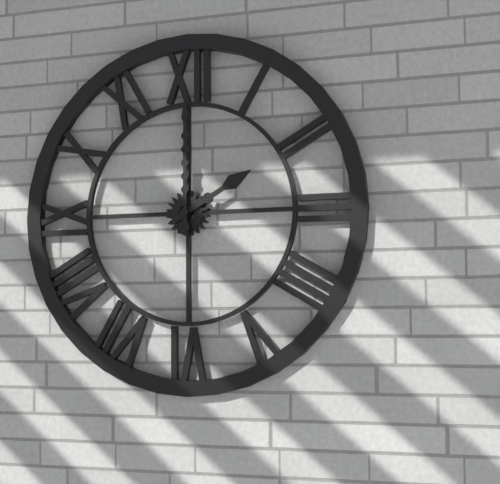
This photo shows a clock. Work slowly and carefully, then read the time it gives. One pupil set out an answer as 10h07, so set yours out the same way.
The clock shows 2h00
